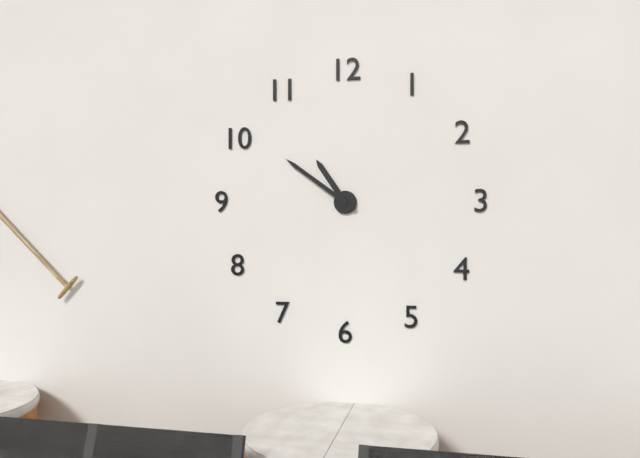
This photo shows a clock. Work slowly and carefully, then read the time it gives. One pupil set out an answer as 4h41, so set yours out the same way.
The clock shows 10h51
